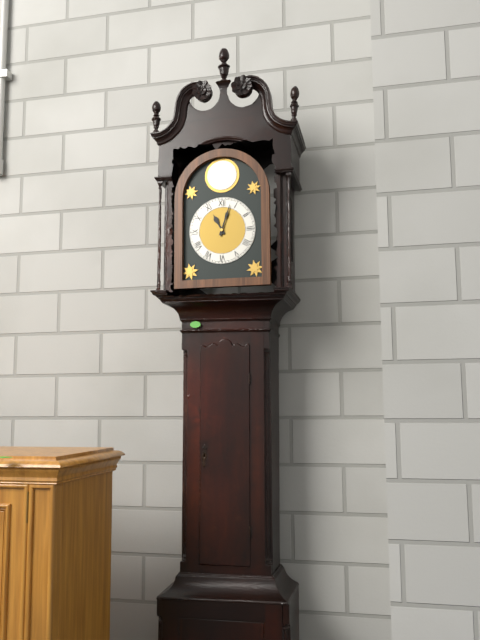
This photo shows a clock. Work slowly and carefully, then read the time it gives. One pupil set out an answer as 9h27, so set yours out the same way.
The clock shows 11h03
